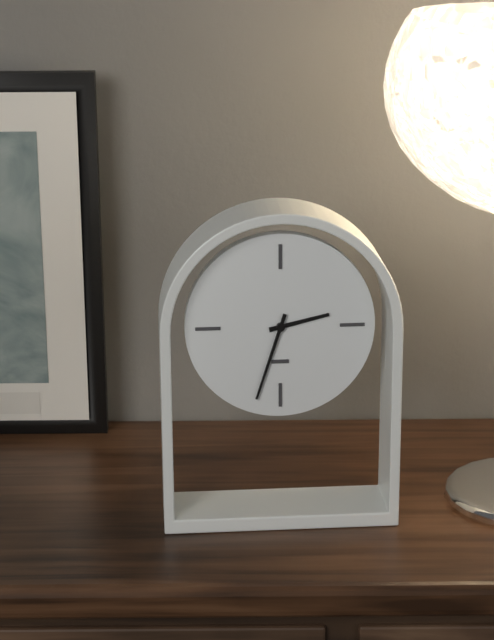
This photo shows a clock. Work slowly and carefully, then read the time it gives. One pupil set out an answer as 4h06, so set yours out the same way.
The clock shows 2h33
